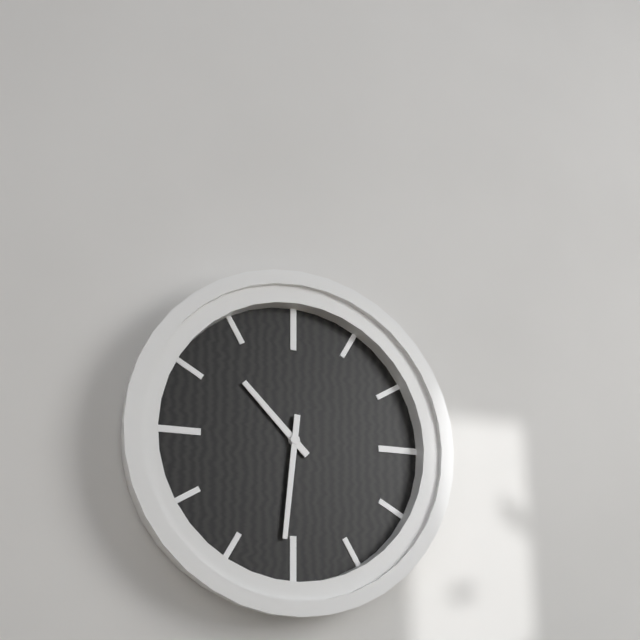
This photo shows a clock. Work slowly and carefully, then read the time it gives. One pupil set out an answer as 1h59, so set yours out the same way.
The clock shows 10h31
